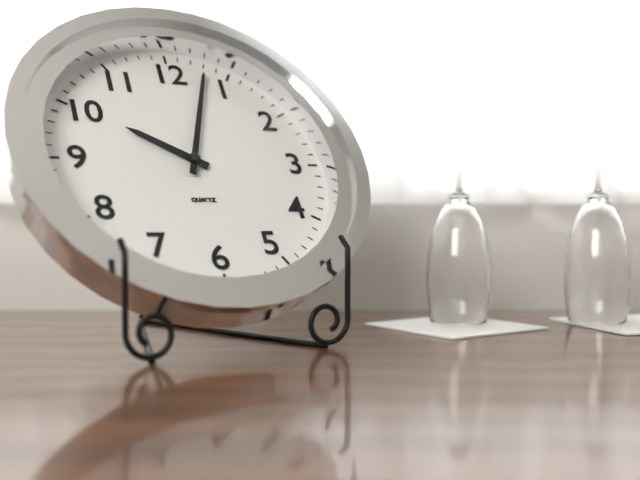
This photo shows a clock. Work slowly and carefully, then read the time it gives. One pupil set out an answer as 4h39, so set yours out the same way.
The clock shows 10h03
